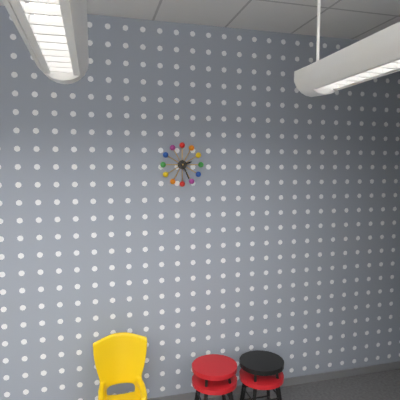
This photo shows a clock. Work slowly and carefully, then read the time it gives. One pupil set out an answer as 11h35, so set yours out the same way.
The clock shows 2h26
